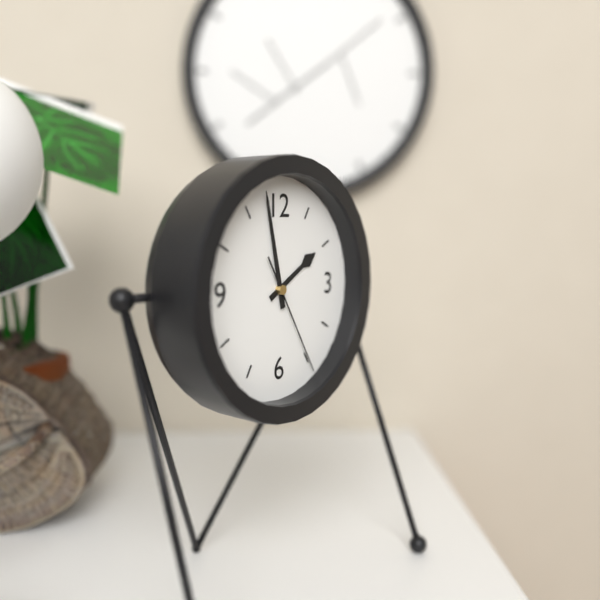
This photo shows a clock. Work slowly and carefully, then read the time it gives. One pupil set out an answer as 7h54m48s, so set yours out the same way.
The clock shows 1h58m25s
